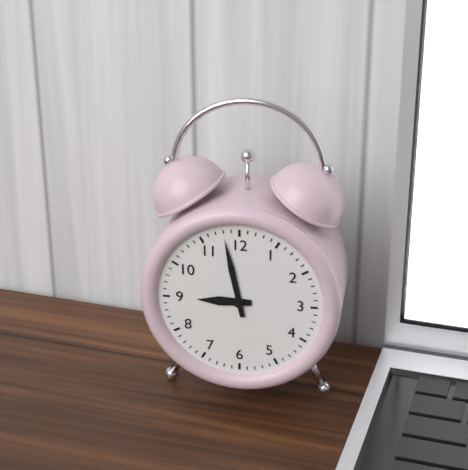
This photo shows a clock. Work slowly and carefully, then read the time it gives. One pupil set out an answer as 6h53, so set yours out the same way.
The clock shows 8h58
